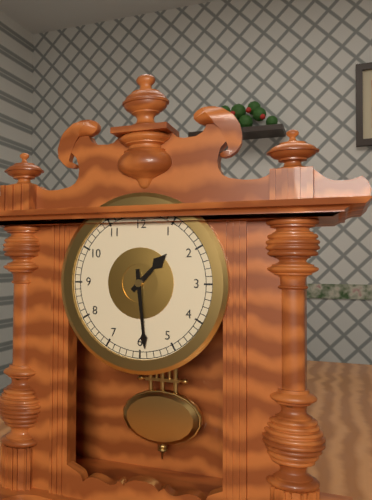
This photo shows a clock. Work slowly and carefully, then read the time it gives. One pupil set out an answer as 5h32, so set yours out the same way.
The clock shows 1h29
